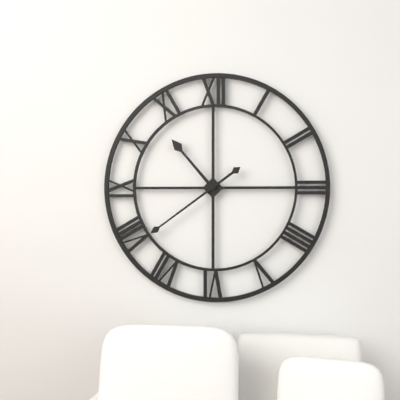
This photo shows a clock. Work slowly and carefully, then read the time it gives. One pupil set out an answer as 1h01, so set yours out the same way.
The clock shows 10h39
